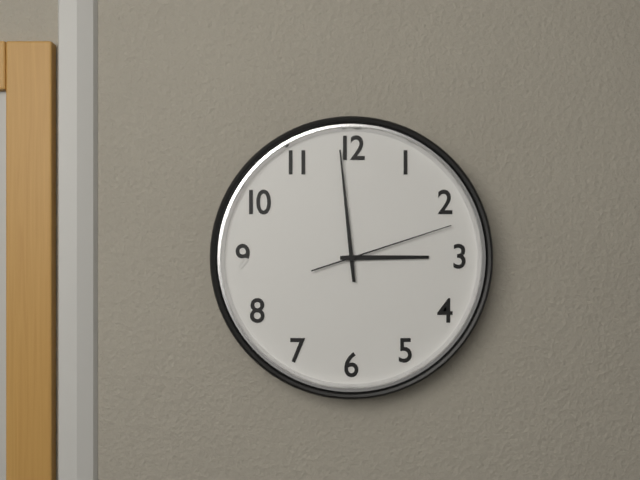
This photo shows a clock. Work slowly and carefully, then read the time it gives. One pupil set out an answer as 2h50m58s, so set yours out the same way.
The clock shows 2h59m12s
